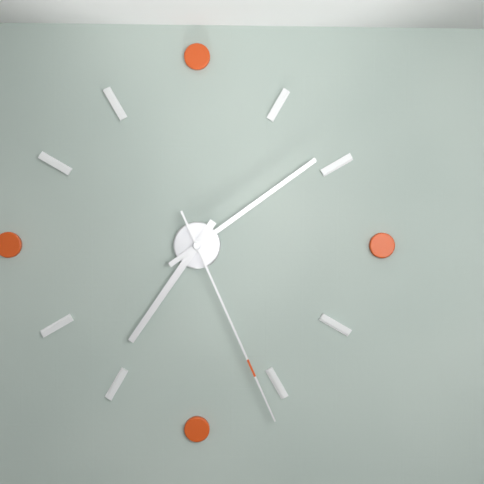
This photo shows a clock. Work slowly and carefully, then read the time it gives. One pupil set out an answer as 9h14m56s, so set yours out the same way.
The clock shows 7h09m26s
